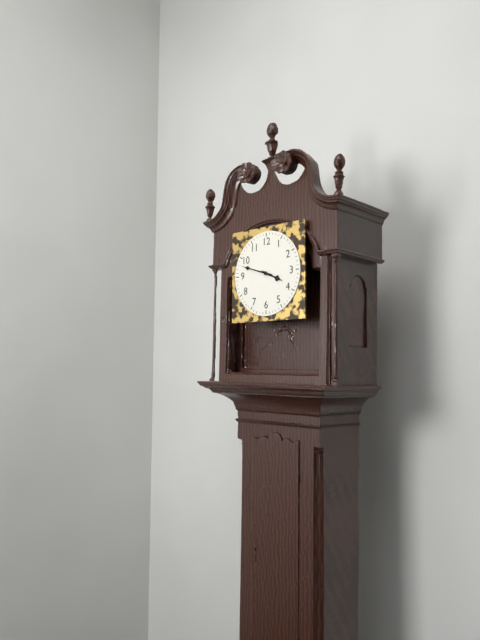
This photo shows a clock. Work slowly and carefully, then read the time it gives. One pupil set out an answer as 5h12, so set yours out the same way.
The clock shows 3h48
